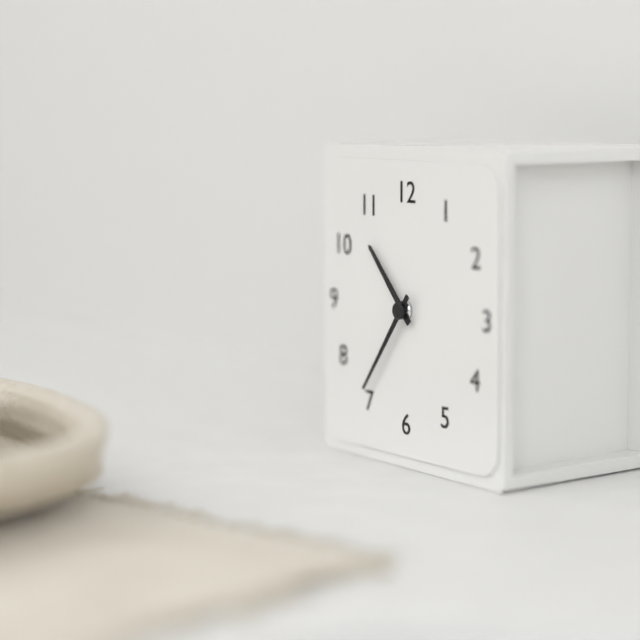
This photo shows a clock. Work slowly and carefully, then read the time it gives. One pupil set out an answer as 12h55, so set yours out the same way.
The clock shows 10h36
